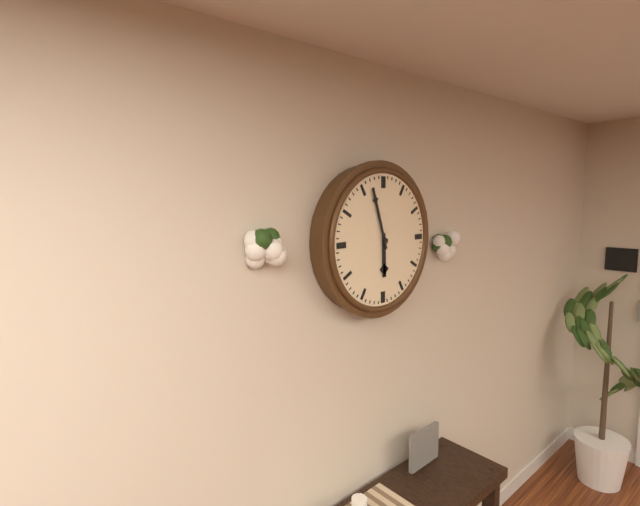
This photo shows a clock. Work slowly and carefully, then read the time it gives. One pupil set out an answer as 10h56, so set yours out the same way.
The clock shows 5h57
